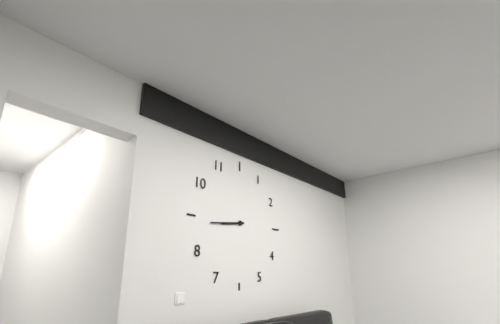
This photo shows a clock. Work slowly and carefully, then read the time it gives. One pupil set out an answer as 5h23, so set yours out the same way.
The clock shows 8h44
